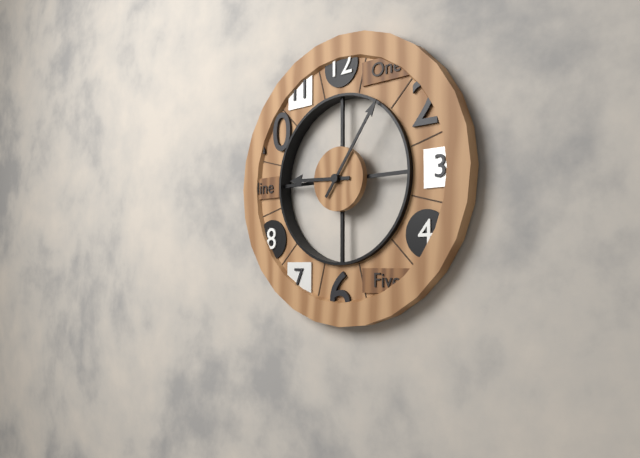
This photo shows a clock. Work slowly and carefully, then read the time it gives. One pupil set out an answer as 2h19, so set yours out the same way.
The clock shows 9h06
